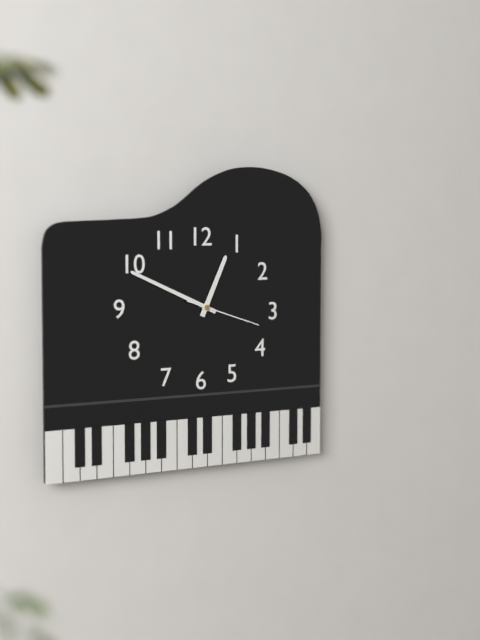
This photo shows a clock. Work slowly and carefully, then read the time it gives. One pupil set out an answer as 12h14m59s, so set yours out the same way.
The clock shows 12h49m18s
